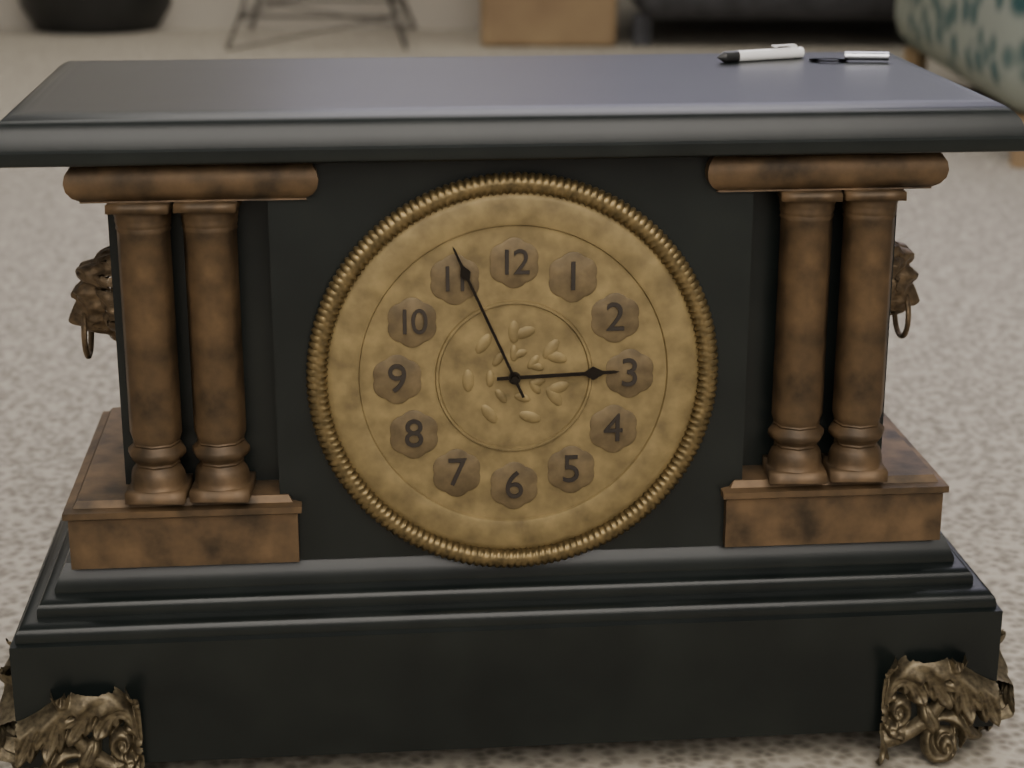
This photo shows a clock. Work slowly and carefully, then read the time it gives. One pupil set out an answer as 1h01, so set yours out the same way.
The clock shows 2h56
